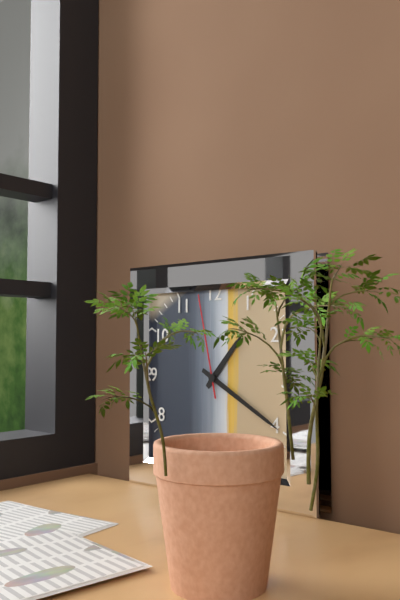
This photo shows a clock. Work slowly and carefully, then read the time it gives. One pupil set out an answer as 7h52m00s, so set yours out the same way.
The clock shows 1h20m58s
